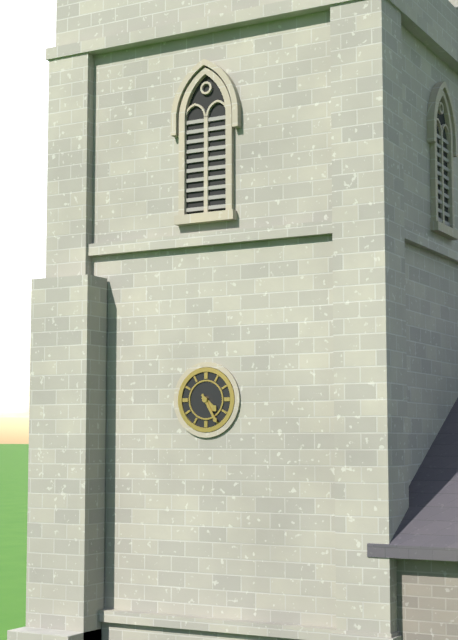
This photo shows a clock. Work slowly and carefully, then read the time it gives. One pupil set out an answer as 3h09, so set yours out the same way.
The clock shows 4h25
